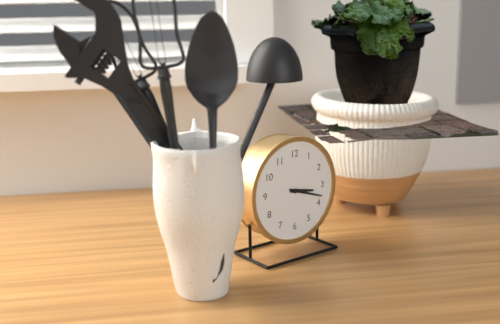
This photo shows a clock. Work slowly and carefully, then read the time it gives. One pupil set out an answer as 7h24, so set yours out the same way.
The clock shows 3h18
